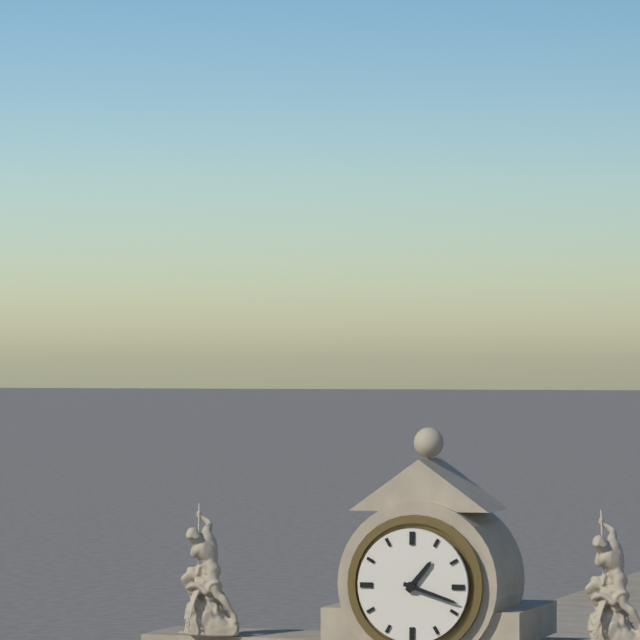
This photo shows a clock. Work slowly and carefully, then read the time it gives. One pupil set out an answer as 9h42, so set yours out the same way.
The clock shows 1h18
